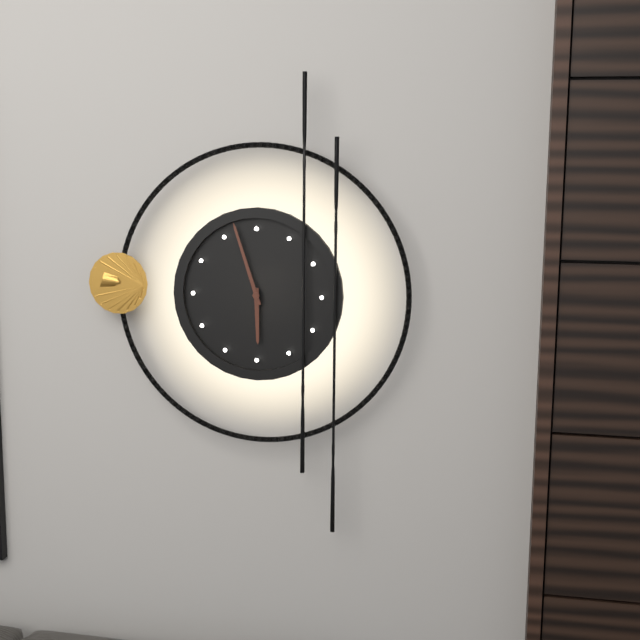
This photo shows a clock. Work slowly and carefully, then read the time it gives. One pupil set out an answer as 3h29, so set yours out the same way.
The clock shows 5h57
